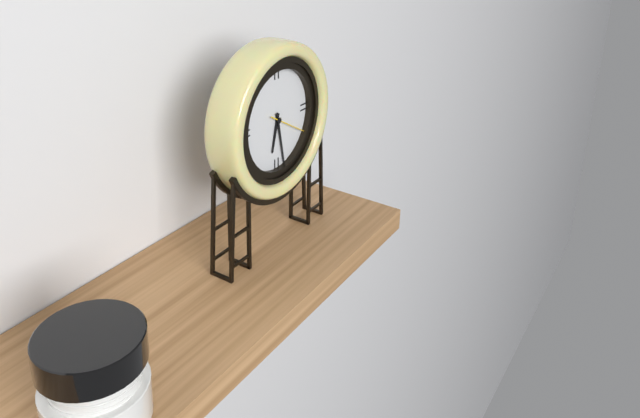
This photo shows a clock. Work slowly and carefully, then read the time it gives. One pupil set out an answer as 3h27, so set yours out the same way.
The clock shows 6h28
